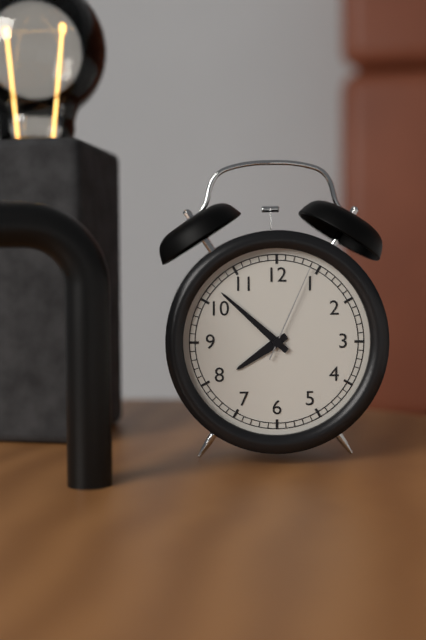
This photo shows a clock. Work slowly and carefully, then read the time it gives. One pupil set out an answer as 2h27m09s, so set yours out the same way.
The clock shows 7h52m04s
